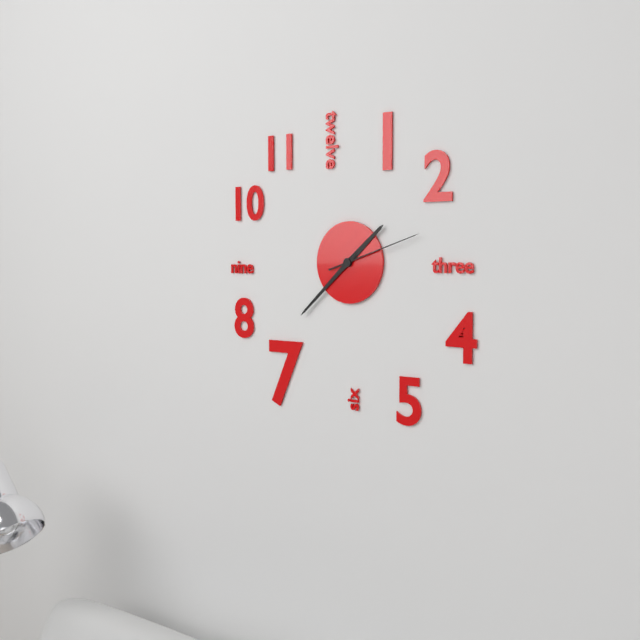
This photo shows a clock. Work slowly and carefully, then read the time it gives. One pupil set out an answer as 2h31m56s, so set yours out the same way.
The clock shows 1h38m12s
